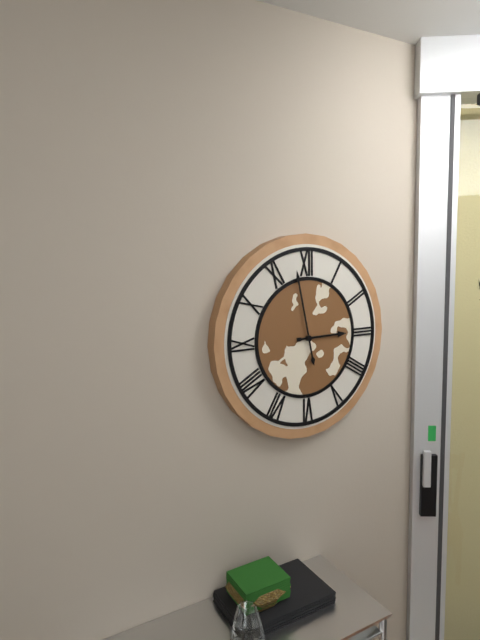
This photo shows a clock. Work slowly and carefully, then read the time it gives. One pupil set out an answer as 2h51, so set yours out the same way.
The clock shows 2h58
